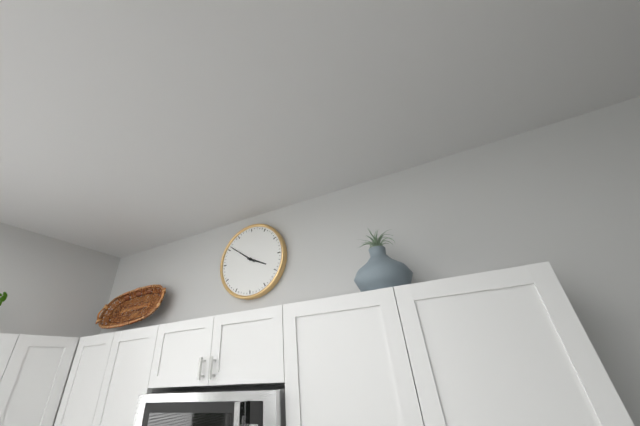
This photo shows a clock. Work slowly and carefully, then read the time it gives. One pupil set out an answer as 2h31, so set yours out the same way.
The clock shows 3h51
